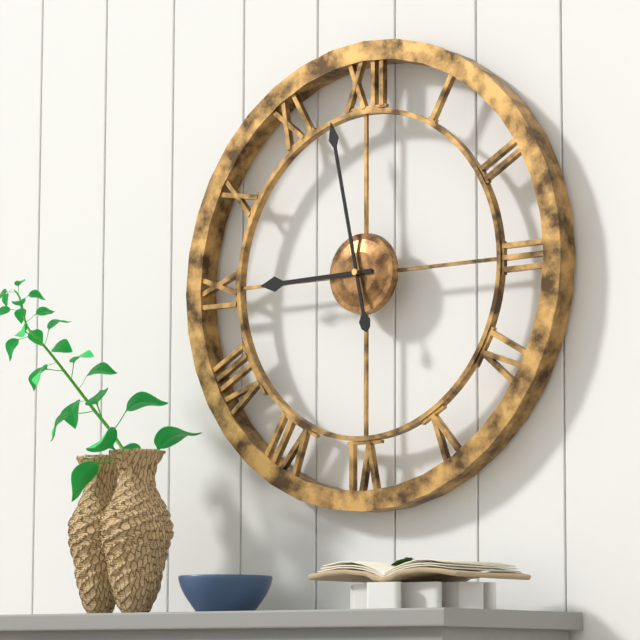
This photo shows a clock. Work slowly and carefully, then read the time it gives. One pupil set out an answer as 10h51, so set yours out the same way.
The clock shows 8h58
